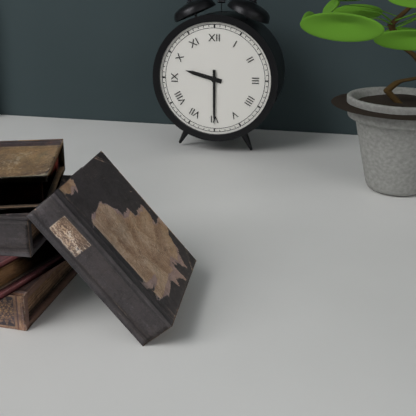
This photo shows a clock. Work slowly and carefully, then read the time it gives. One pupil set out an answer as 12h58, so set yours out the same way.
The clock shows 9h30
